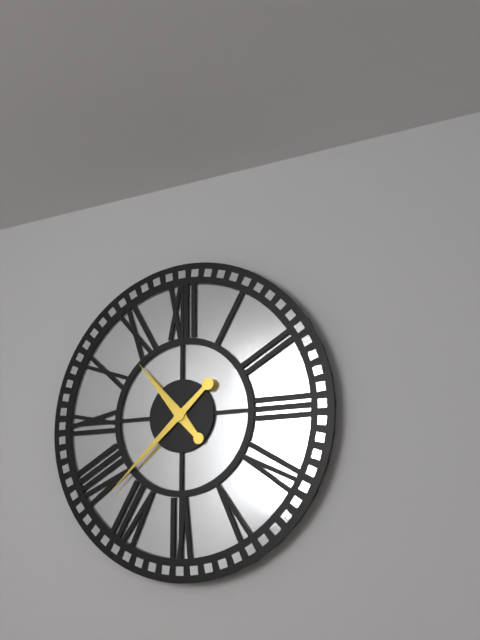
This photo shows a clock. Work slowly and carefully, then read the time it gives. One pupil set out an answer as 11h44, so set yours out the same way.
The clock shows 10h38
